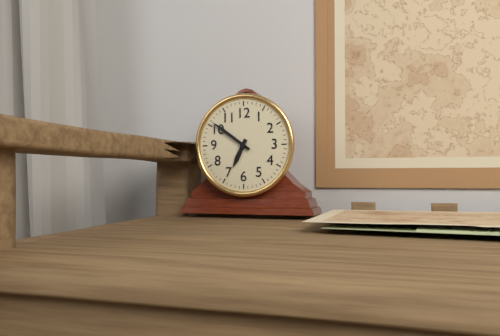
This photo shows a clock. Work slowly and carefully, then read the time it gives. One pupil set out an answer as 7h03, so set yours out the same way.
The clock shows 6h51
